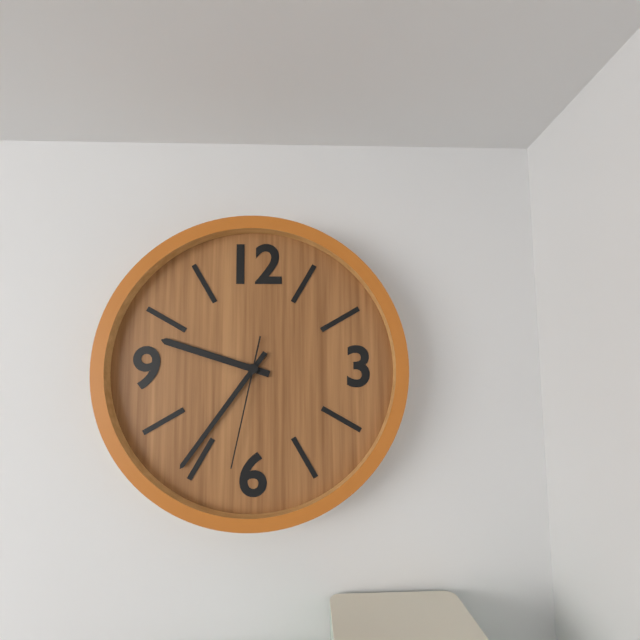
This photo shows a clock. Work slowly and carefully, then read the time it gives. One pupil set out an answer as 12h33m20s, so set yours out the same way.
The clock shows 9h36m32s
